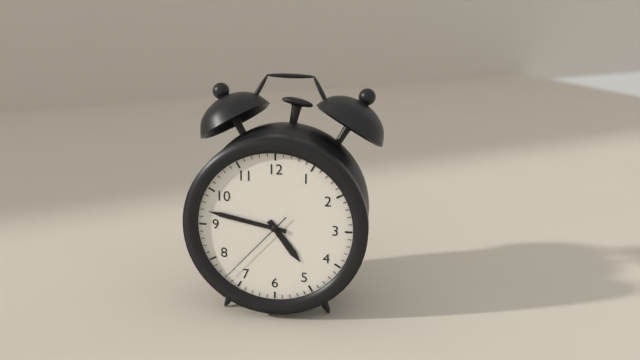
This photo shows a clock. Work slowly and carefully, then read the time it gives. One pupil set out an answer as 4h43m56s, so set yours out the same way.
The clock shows 4h47m37s
